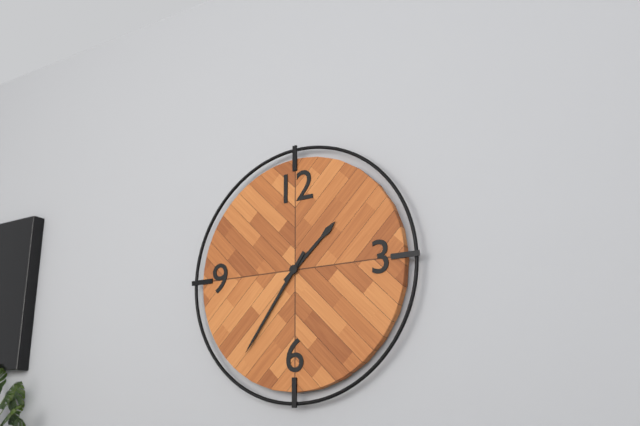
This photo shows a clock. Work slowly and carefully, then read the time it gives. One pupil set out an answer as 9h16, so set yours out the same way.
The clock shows 1h36
